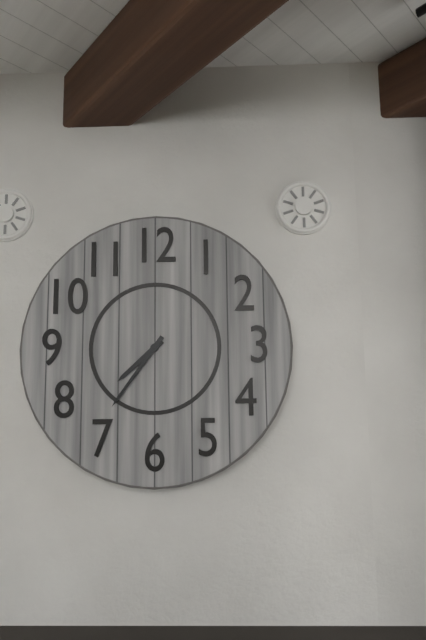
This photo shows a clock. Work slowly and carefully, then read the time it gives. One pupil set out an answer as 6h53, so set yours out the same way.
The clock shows 7h36
